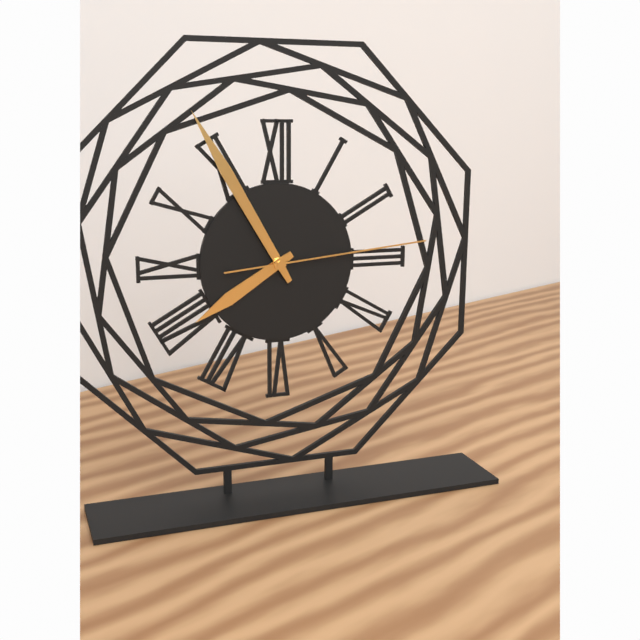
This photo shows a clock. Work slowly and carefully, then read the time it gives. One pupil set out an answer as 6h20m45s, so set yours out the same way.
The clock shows 7h55m14s
